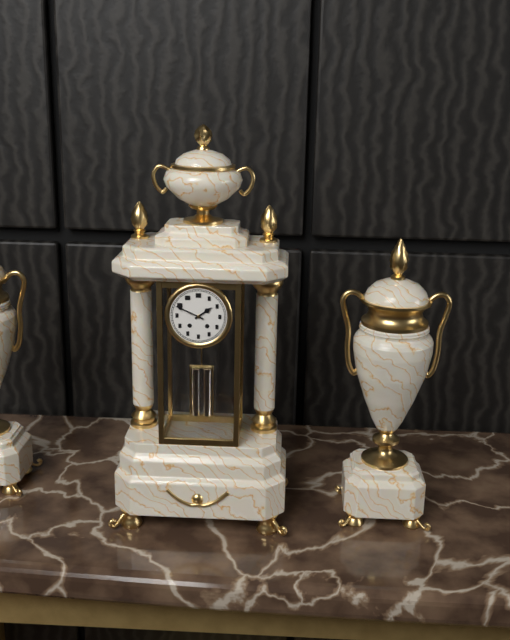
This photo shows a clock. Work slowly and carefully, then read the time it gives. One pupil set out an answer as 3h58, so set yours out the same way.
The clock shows 1h49
